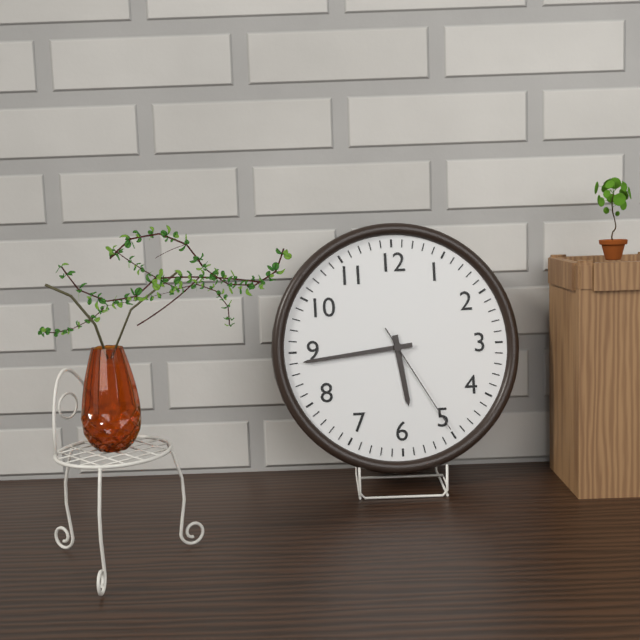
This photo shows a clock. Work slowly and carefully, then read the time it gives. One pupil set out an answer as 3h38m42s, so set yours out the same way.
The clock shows 5h44m25s
